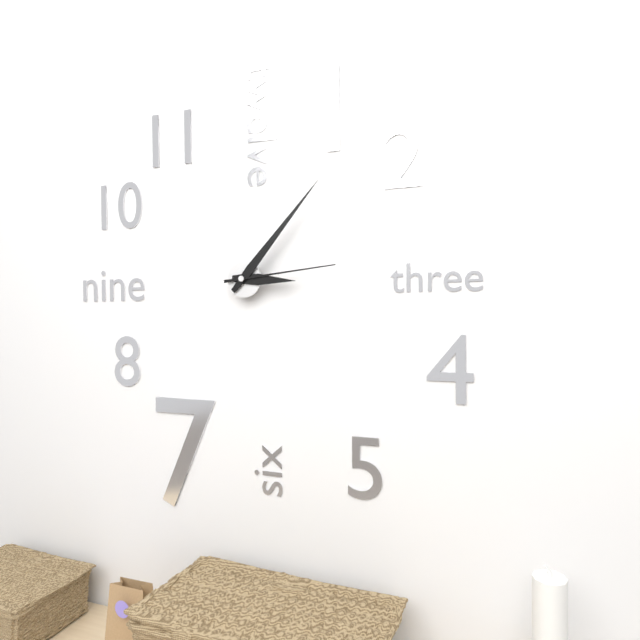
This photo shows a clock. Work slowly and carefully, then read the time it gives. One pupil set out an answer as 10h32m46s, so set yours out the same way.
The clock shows 3h07m14s
